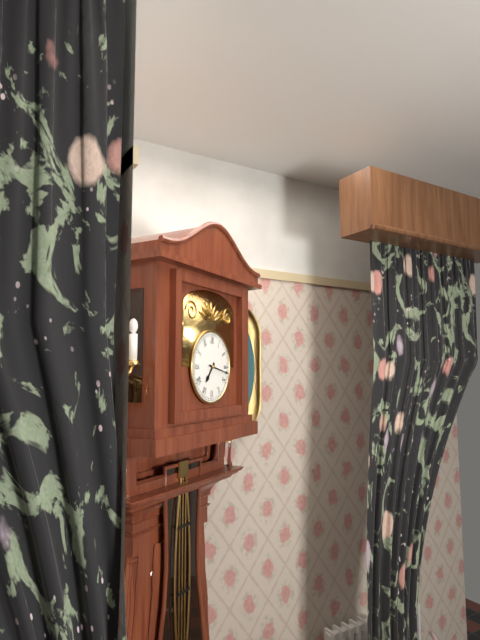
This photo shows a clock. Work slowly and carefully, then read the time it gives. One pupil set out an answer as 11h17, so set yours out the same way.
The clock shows 7h17
